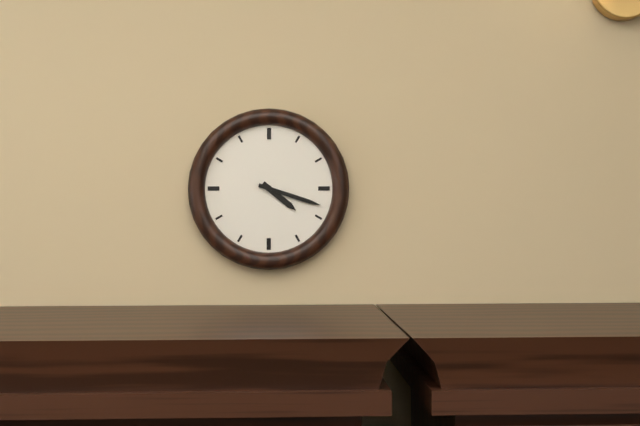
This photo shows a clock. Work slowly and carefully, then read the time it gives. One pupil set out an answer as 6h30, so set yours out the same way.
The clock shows 4h18
